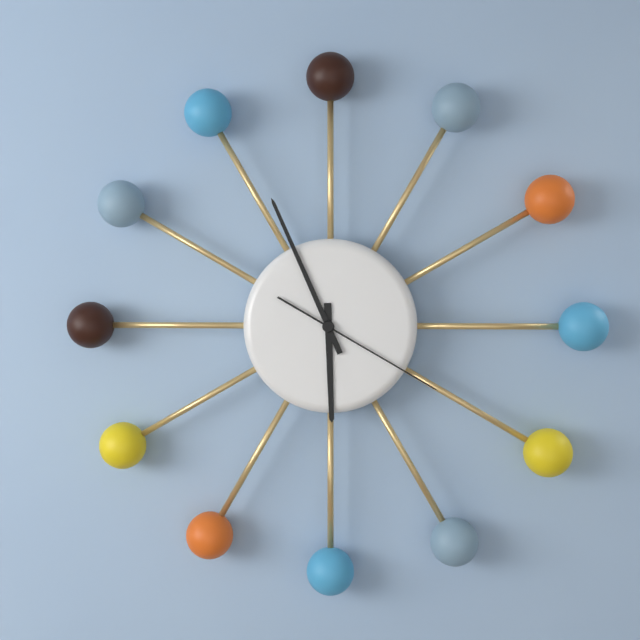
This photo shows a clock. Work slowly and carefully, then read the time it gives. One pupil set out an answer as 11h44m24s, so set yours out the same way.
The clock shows 5h56m20s
